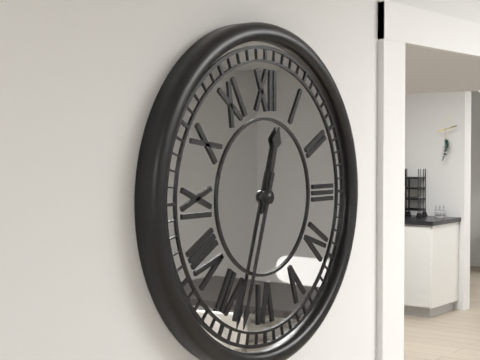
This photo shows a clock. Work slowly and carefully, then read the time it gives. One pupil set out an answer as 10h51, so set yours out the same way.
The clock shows 12h33
